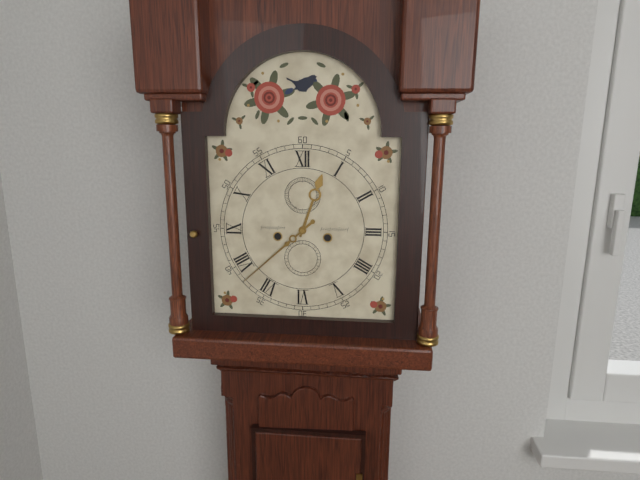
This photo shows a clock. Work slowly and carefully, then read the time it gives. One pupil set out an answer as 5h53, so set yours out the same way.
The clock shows 12h38
